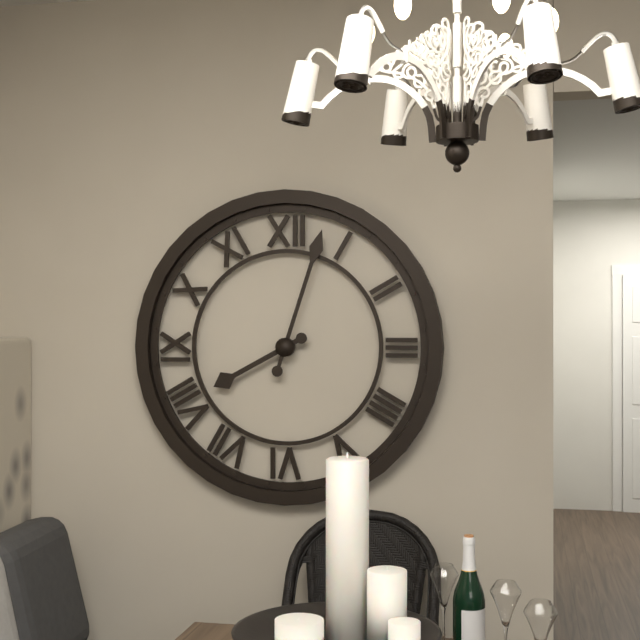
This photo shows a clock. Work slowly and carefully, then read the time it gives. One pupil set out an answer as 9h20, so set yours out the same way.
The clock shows 8h03
